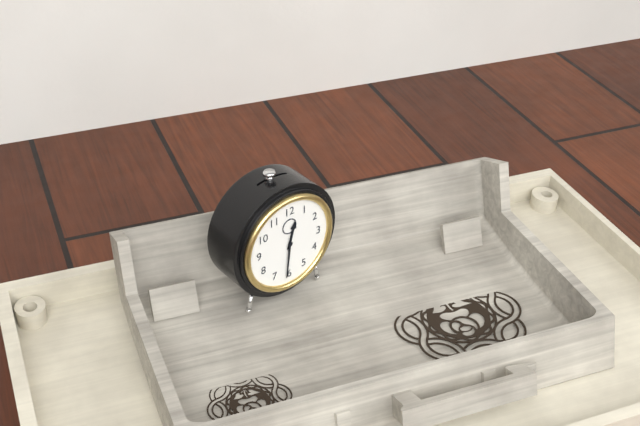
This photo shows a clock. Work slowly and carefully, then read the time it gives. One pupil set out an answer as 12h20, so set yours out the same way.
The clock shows 12h31
